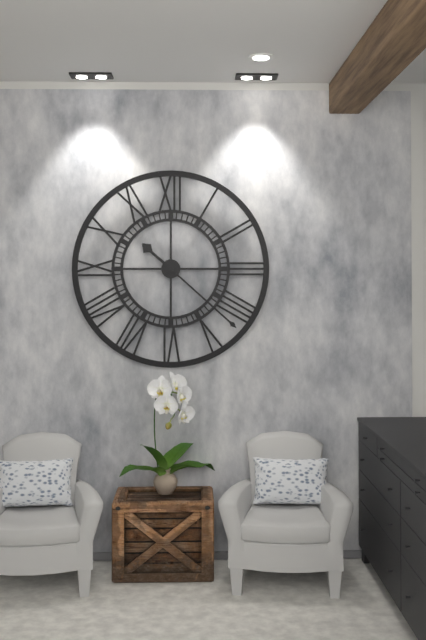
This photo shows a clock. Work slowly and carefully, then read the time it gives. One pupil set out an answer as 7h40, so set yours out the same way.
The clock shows 10h22
